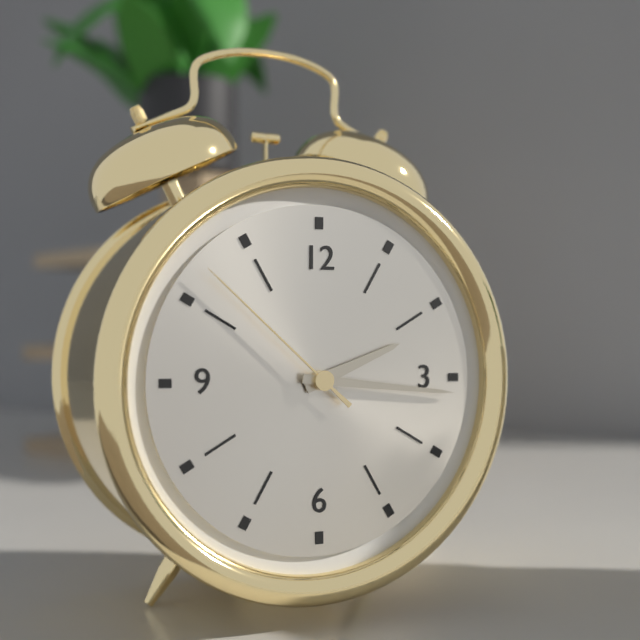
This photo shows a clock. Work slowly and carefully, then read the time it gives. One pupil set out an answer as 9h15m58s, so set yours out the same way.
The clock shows 2h16m52s
